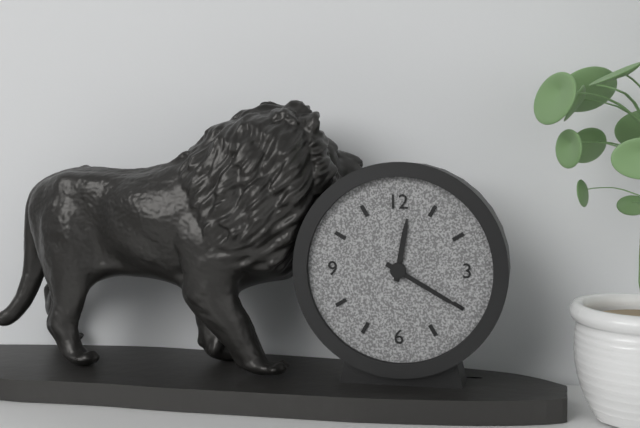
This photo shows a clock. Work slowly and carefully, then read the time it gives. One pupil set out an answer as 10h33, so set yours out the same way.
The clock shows 12h20
